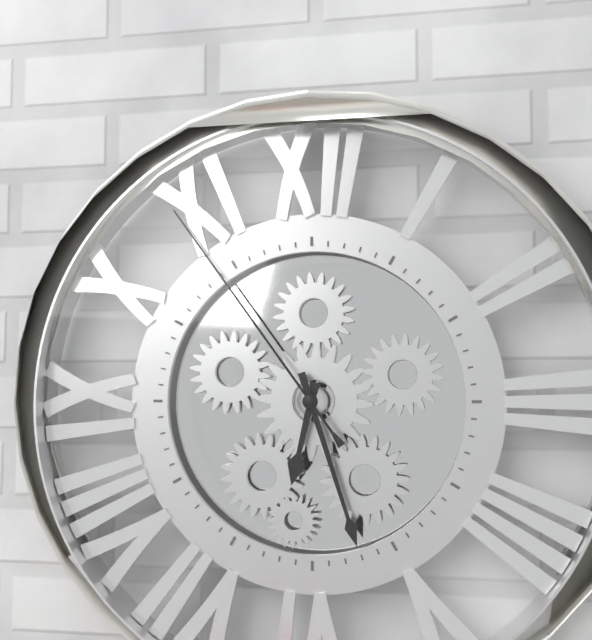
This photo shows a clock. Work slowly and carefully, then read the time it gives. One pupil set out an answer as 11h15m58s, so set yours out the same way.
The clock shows 6h27m54s
